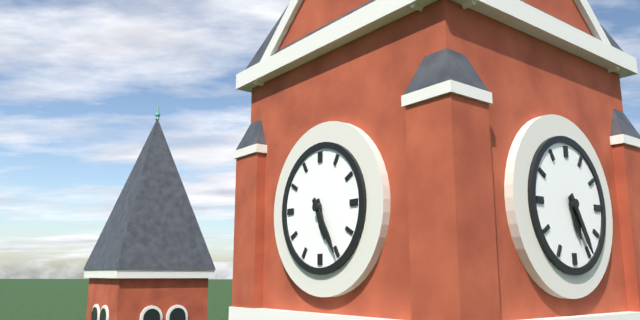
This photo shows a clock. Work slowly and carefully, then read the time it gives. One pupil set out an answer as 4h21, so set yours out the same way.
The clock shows 5h25
